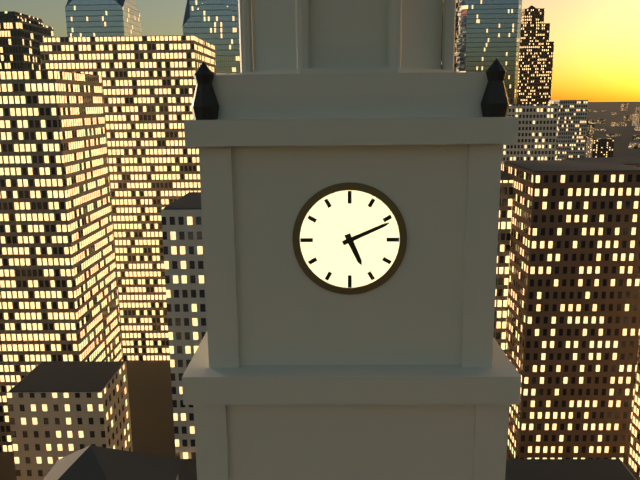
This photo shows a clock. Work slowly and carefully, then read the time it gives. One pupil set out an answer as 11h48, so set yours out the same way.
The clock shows 5h11
